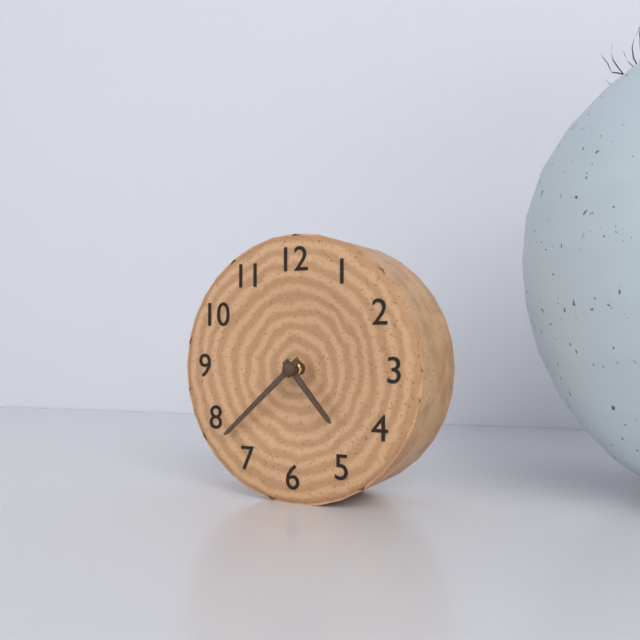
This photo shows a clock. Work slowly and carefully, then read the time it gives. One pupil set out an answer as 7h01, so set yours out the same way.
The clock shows 4h38
